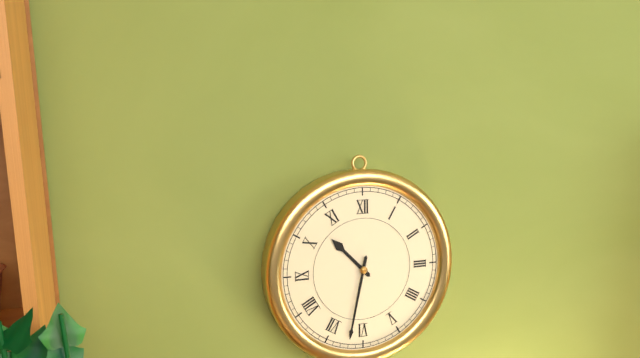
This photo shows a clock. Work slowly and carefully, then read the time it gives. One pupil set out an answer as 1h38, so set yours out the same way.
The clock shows 10h32
